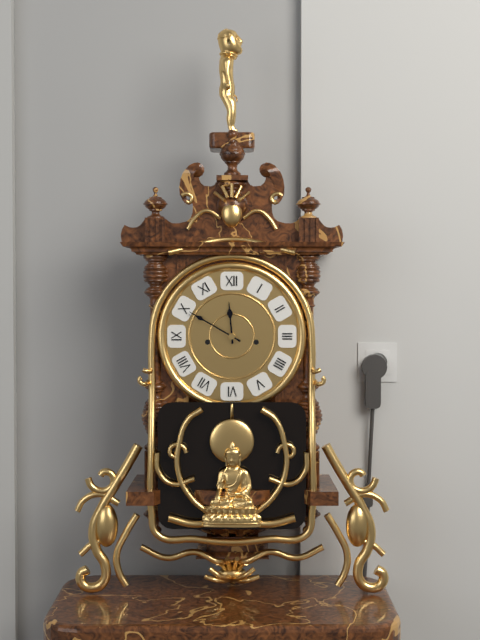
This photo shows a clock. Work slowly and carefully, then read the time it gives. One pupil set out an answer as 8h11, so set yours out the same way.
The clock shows 11h50
